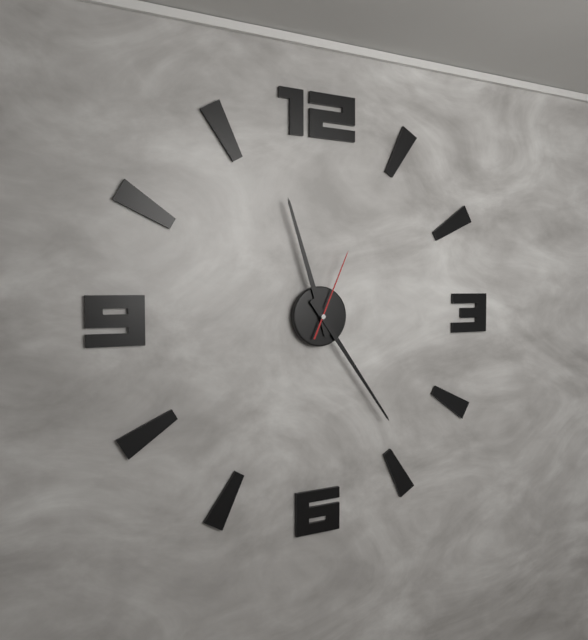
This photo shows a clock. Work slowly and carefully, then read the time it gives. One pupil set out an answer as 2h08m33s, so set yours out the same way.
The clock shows 11h24m04s
